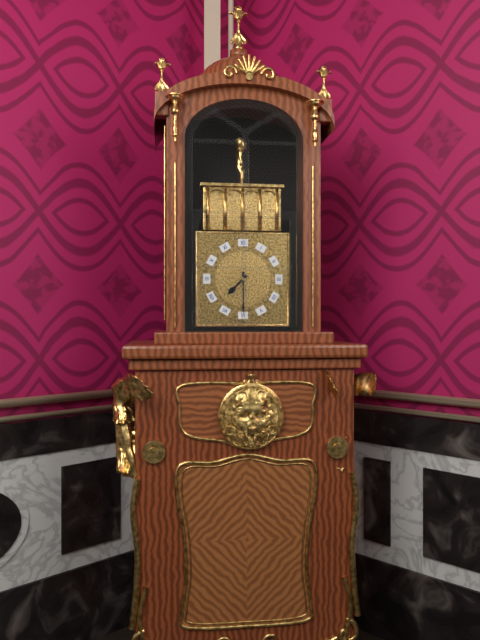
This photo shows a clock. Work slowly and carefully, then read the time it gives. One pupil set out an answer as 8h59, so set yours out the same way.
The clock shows 7h30
